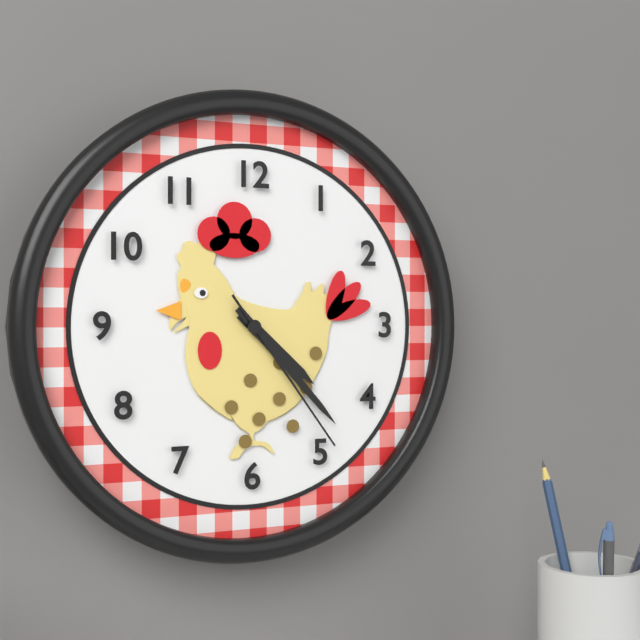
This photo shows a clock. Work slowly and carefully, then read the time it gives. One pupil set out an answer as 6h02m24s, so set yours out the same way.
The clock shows 4h23m24s
